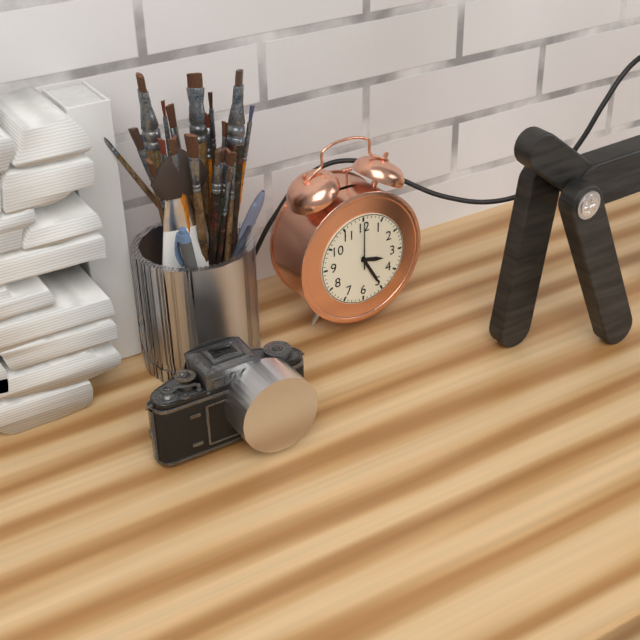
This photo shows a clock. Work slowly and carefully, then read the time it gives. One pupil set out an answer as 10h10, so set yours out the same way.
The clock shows 3h25
